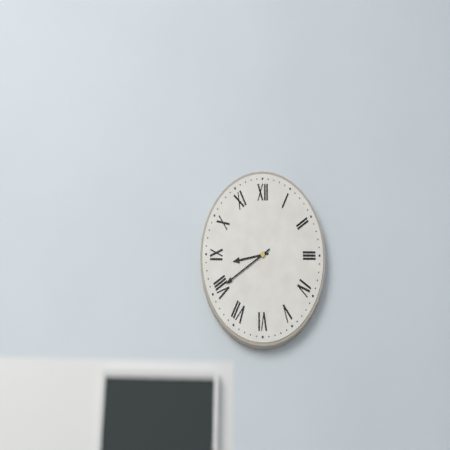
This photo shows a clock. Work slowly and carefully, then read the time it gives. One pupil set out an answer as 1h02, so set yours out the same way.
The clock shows 8h40
